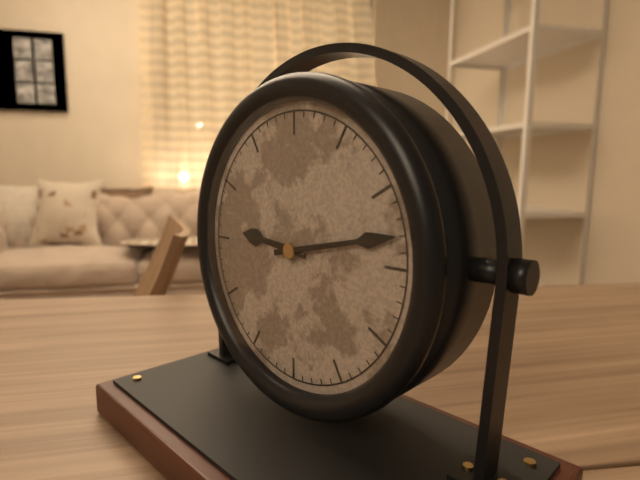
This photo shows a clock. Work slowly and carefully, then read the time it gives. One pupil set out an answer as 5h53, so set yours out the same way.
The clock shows 9h13
